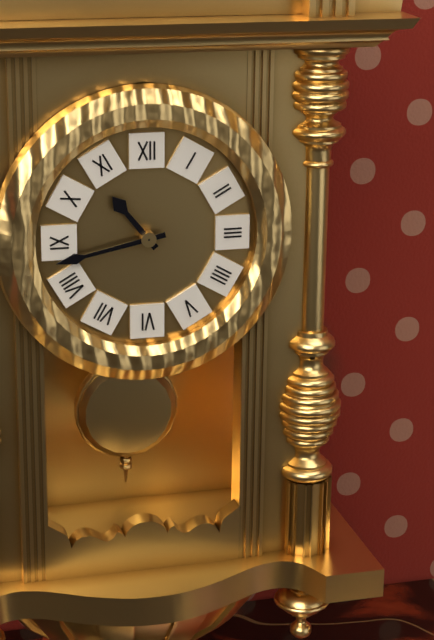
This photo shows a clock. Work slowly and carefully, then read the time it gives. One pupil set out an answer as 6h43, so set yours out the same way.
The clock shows 10h43
